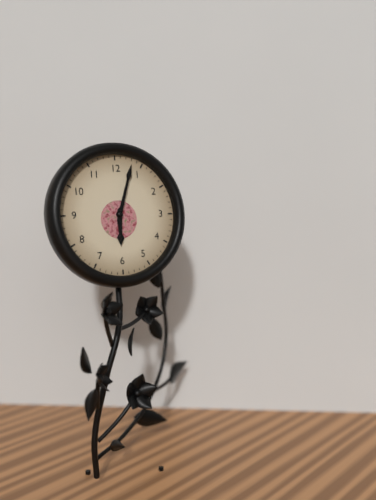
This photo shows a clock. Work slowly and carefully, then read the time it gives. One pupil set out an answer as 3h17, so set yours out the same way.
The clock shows 6h03
